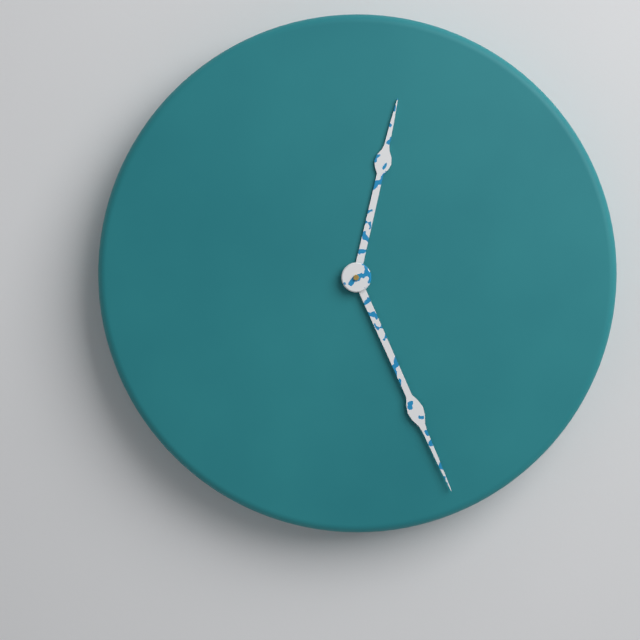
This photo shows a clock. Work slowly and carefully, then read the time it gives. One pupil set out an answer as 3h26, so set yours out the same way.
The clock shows 12h26
